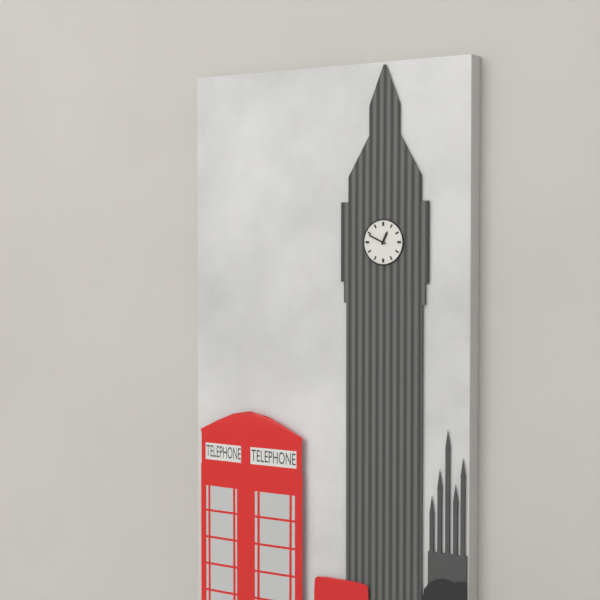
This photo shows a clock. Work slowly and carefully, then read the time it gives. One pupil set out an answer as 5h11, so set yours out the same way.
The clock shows 12h49
